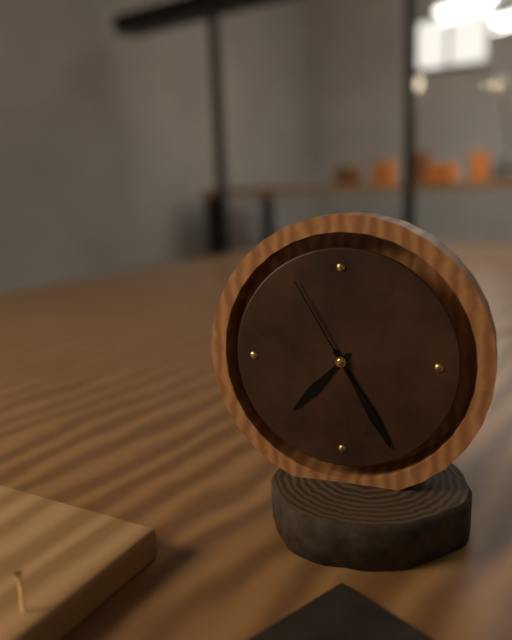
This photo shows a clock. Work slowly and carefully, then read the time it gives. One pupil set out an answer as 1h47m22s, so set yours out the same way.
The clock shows 7h25m55s
